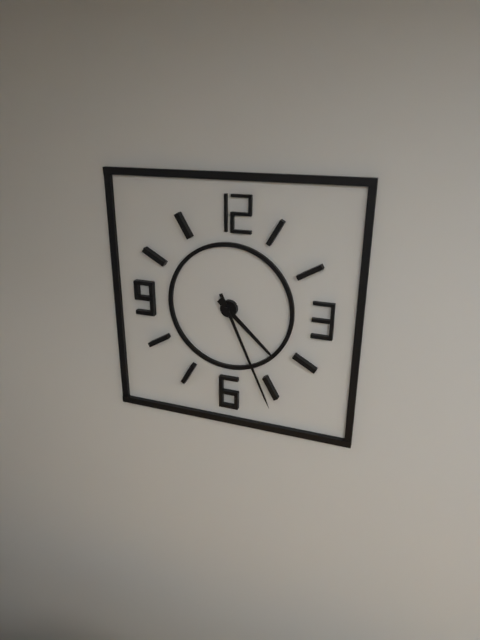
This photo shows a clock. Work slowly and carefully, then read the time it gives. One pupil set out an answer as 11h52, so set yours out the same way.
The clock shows 4h26
